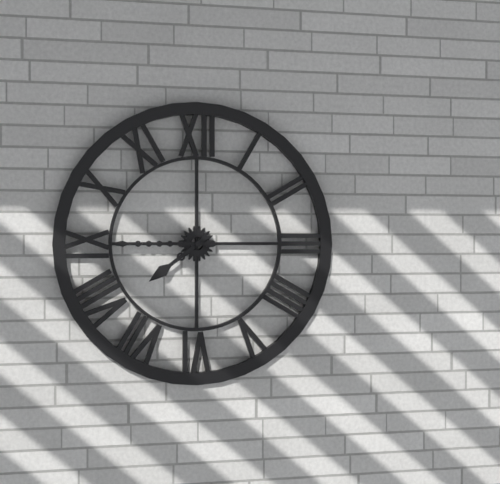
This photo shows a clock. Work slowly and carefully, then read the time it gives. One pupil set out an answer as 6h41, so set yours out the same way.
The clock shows 7h45
